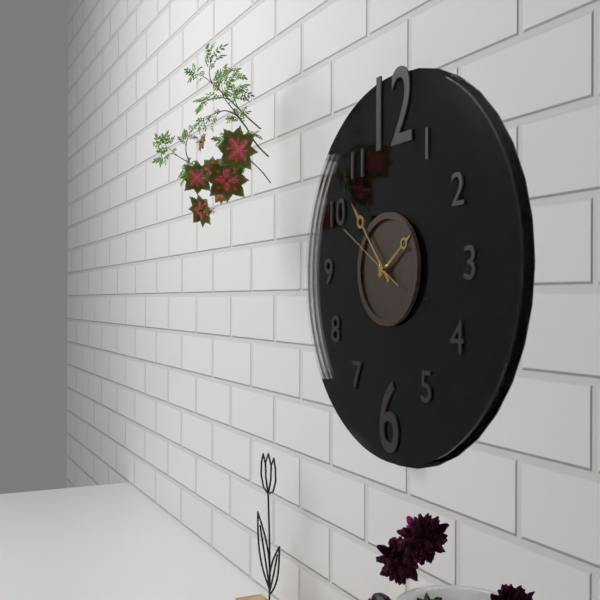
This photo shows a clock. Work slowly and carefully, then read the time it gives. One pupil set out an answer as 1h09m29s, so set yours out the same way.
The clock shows 1h53m50s
